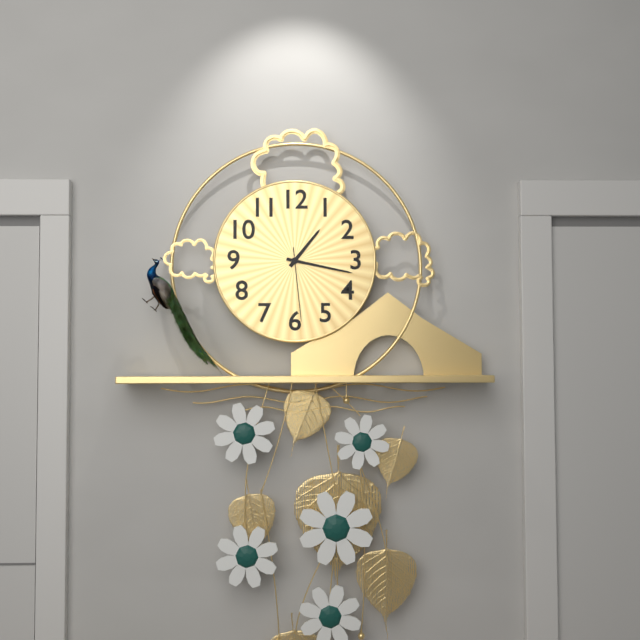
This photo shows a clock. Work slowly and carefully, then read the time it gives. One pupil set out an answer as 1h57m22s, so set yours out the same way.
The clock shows 1h17m29s
